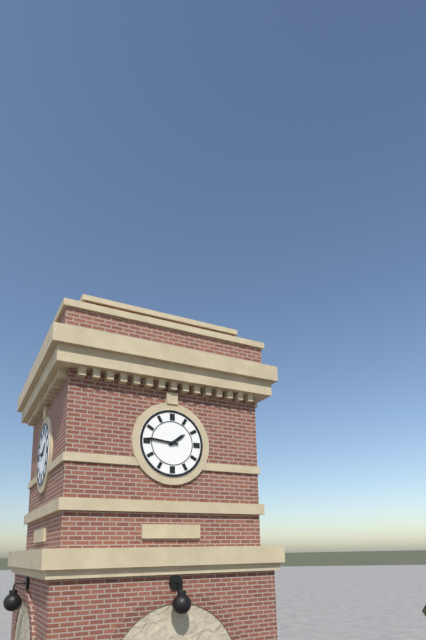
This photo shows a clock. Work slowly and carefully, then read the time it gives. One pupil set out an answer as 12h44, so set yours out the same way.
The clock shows 1h46
